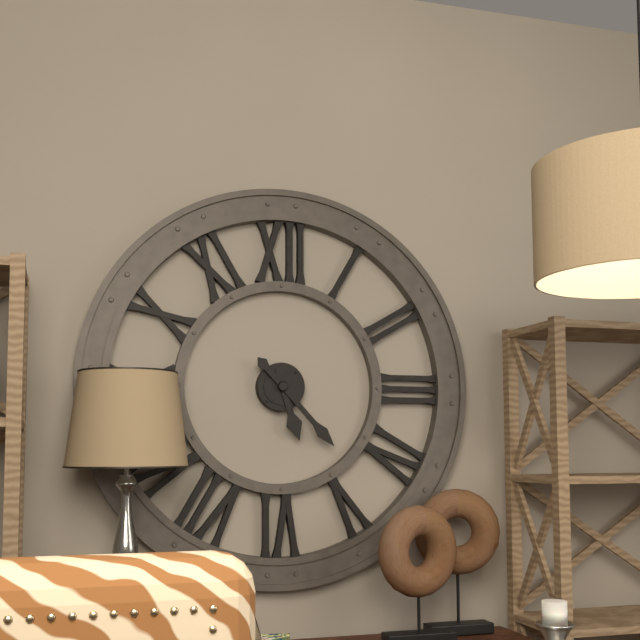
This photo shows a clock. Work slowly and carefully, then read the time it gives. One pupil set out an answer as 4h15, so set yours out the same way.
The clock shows 5h23
